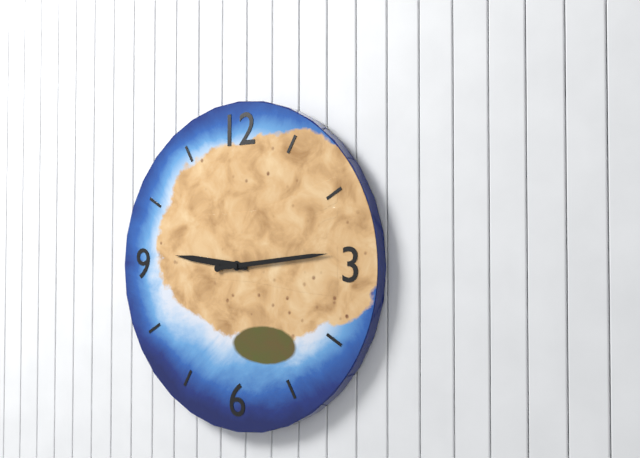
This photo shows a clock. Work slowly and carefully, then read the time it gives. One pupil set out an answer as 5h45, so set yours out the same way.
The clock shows 9h14
